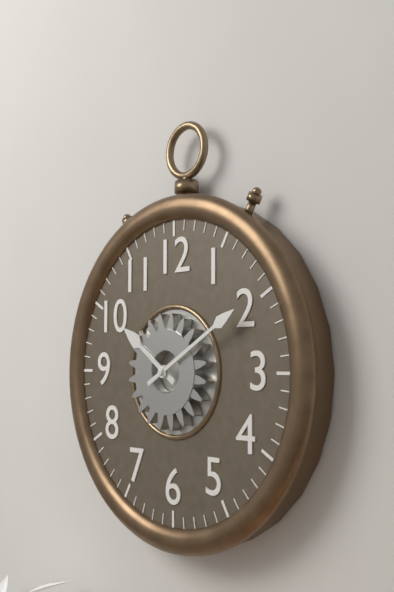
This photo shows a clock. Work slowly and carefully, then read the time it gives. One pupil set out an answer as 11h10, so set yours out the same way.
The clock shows 10h10
